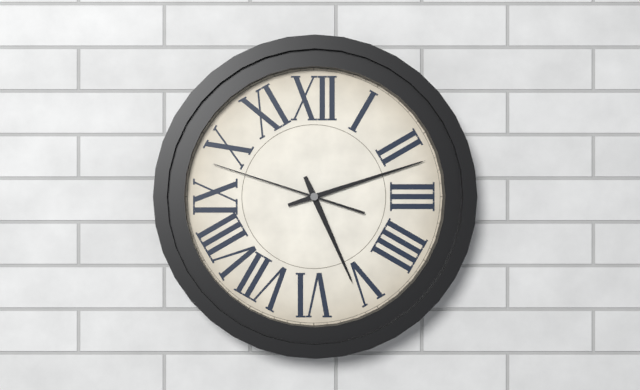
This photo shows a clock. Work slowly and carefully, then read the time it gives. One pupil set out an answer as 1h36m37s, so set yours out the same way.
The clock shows 5h12m48s
